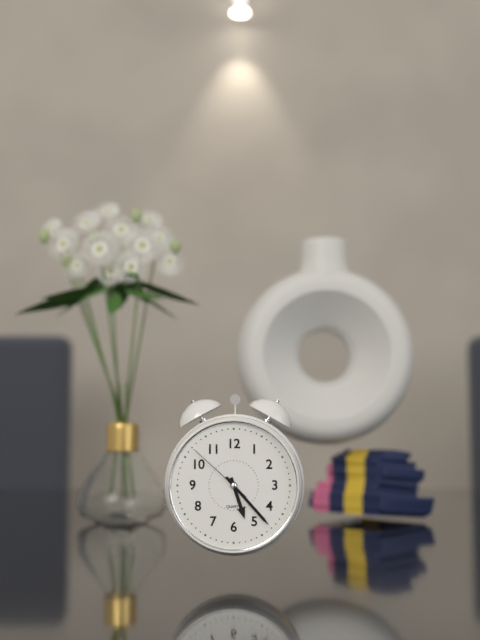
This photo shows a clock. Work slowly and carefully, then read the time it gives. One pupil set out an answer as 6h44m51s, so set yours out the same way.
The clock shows 5h23m52s
